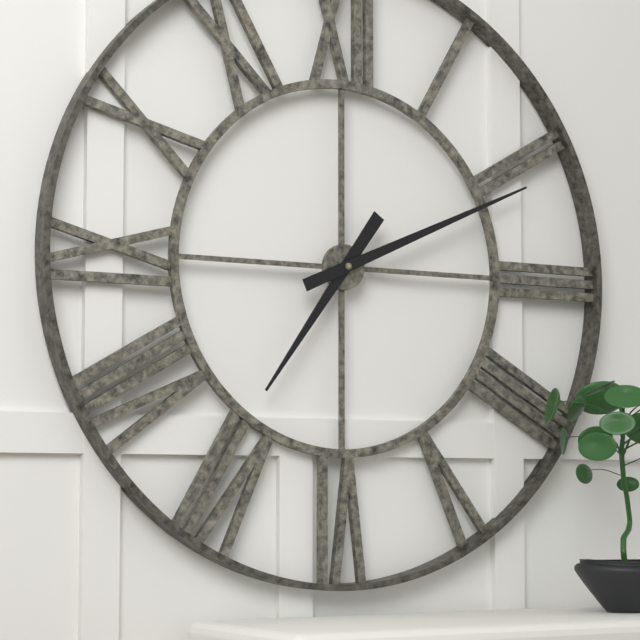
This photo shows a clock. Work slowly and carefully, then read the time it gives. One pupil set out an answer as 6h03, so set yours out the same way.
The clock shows 7h11
